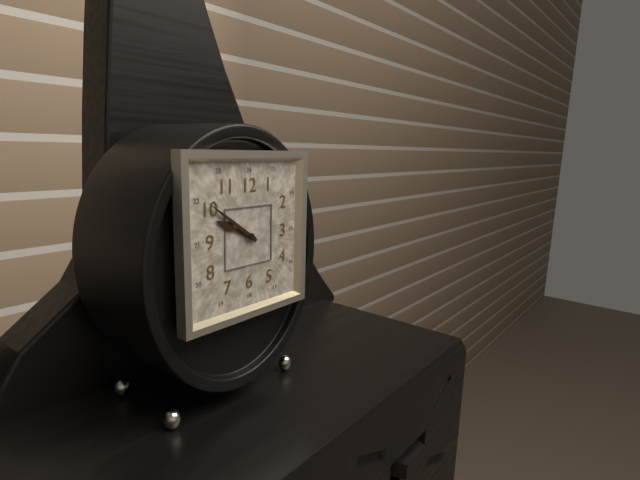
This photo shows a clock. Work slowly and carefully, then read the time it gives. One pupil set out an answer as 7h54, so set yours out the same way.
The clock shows 9h51
